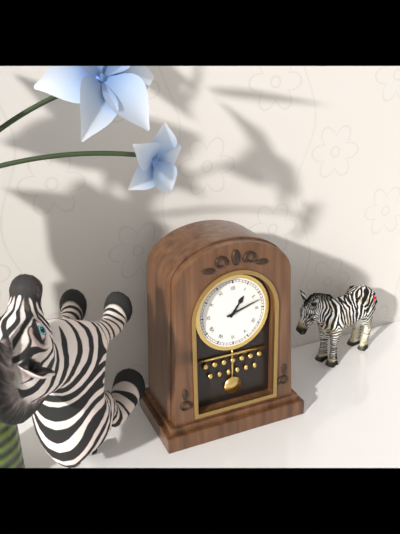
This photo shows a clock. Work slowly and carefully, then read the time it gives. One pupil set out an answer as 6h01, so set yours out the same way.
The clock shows 1h12
